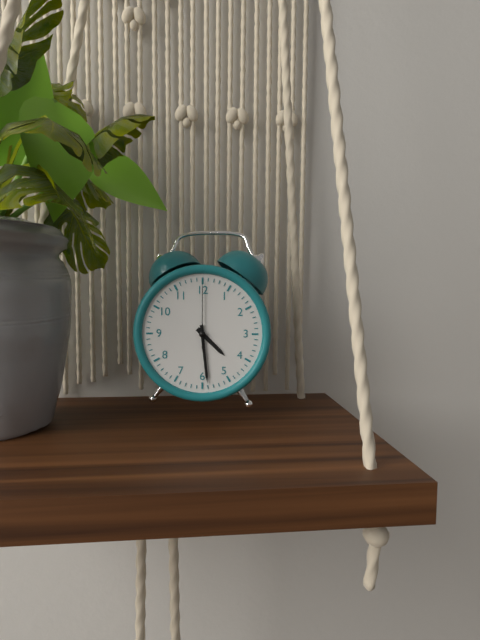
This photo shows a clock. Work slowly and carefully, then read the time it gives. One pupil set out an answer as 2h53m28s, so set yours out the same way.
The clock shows 4h29m00s
